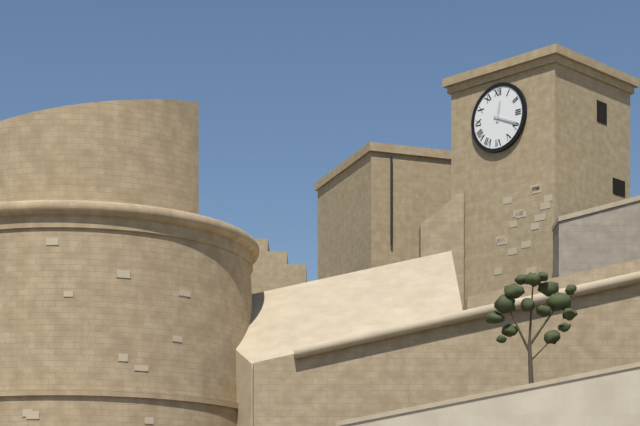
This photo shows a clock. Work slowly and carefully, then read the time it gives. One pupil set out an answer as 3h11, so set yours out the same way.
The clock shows 12h19
